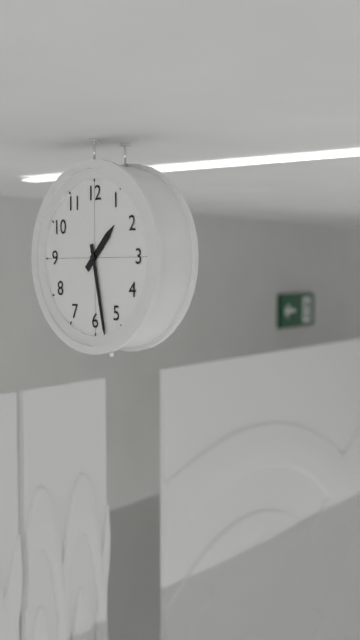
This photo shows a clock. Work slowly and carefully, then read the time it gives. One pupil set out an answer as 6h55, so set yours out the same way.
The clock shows 1h28
